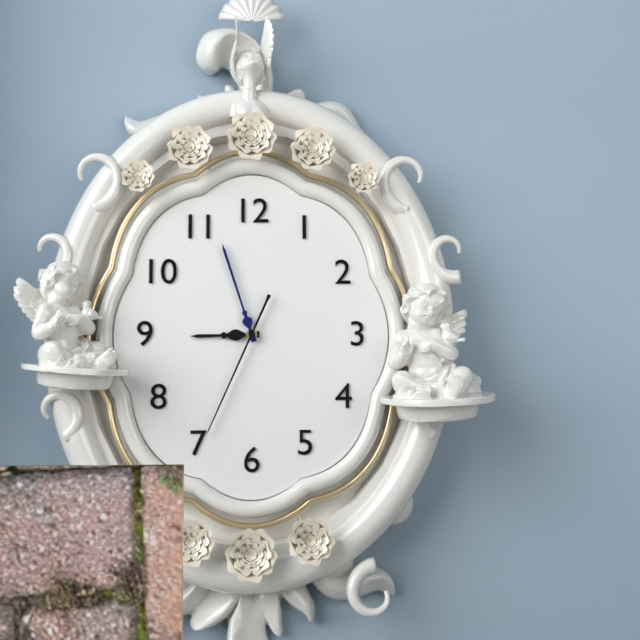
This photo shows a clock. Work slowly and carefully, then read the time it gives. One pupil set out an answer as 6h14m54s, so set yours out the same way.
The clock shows 8h57m34s
